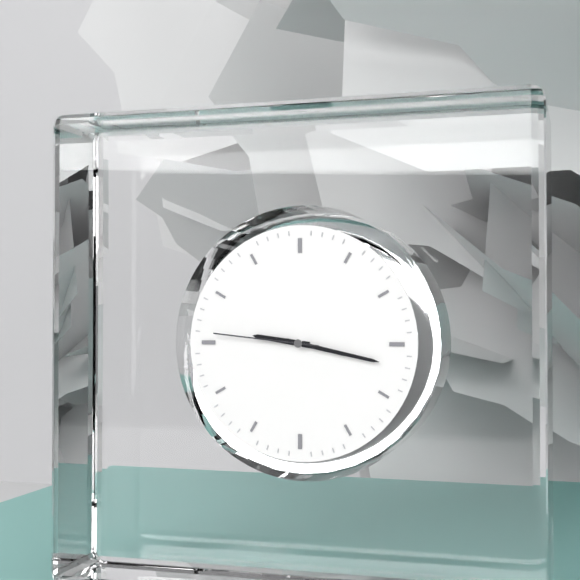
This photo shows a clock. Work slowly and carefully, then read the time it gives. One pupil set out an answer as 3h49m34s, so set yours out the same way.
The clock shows 9h17m46s
